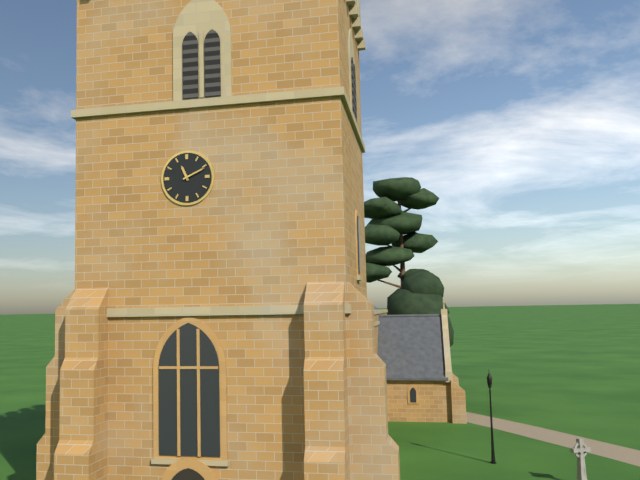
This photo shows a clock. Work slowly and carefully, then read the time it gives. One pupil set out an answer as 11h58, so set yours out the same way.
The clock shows 11h11
